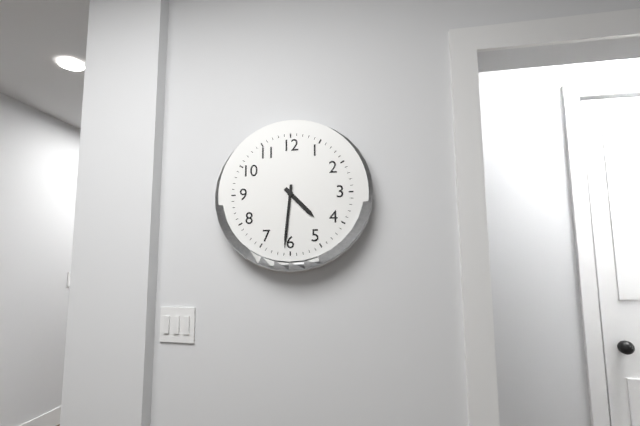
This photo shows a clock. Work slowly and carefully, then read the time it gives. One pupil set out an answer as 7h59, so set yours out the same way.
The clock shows 4h31
